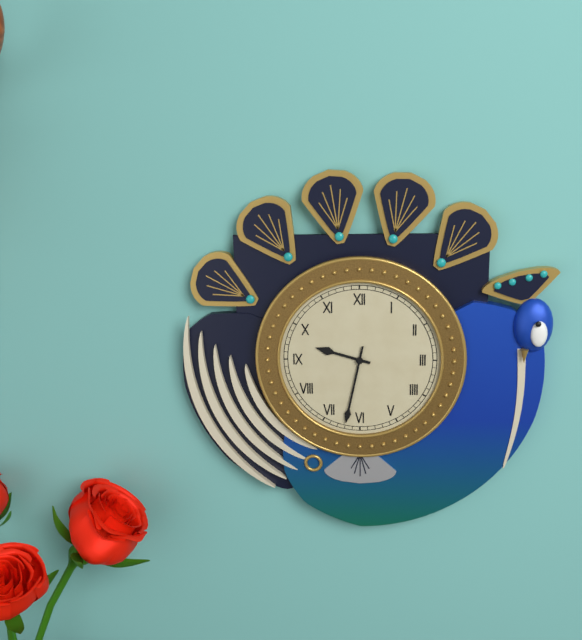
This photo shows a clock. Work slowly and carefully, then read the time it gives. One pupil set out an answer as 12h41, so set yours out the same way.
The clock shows 9h32
